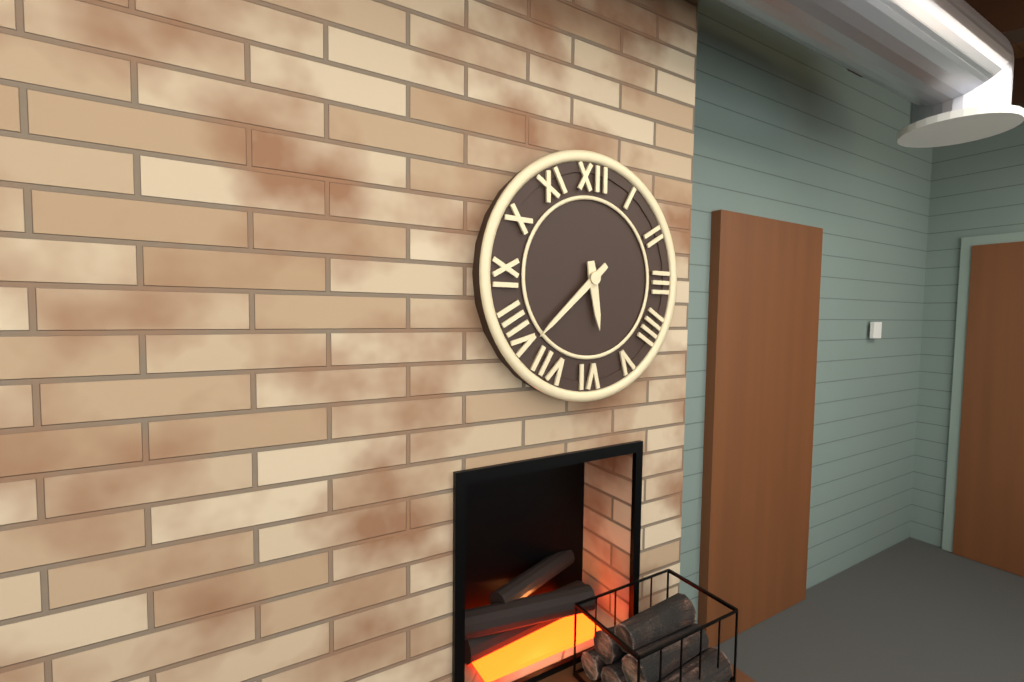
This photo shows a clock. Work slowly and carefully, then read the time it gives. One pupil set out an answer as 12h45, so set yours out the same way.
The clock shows 5h38
